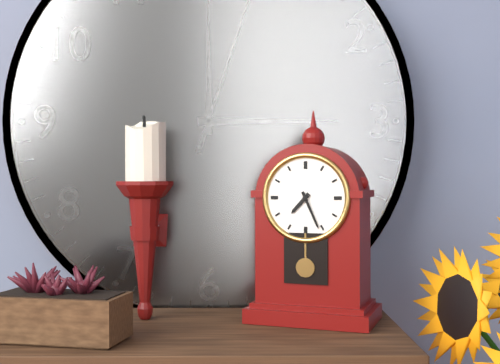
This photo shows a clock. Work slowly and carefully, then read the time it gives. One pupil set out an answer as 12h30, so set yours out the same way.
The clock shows 7h26
